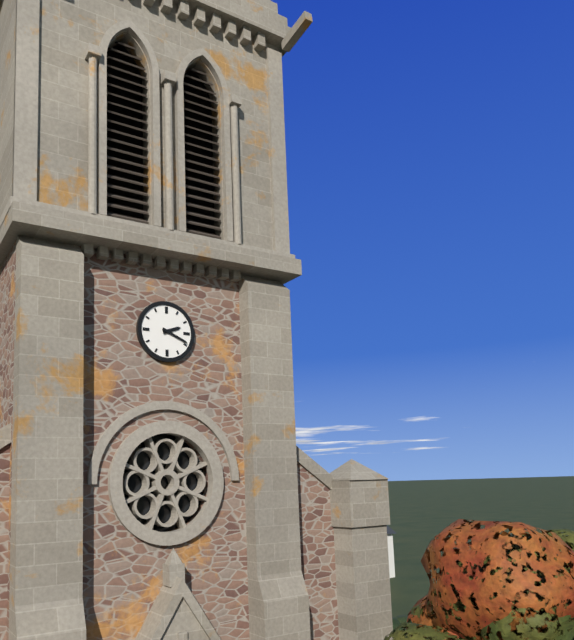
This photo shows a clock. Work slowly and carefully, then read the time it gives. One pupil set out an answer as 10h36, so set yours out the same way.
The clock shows 2h19
